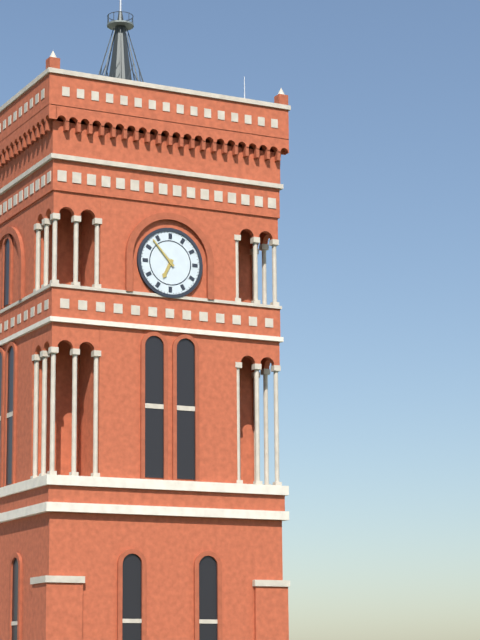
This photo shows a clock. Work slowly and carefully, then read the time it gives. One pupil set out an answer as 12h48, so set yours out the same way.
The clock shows 6h53
